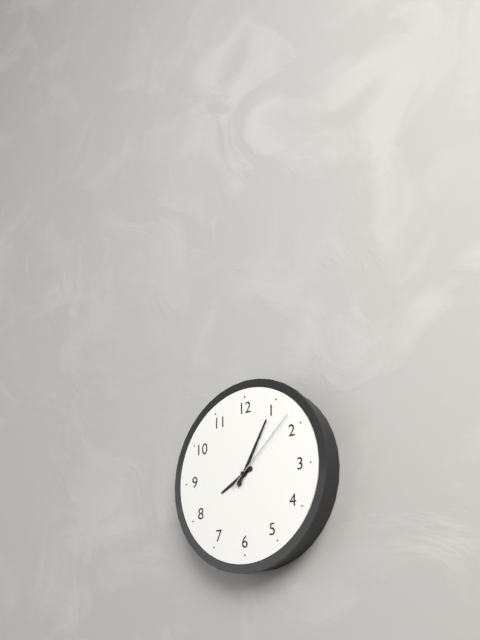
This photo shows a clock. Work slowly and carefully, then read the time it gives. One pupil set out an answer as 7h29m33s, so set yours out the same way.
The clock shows 8h05m08s
